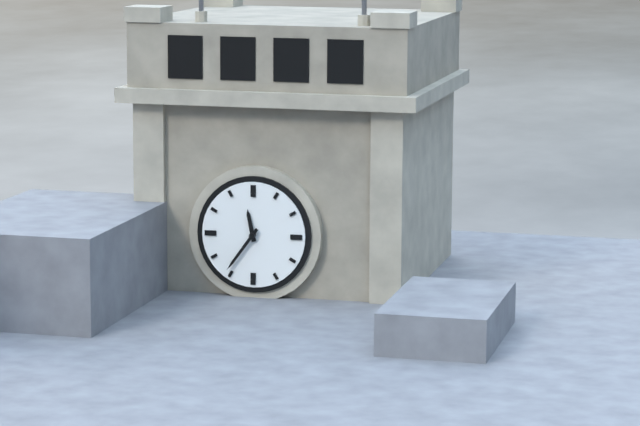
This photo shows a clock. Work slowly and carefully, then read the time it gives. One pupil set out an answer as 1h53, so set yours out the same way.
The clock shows 11h36
